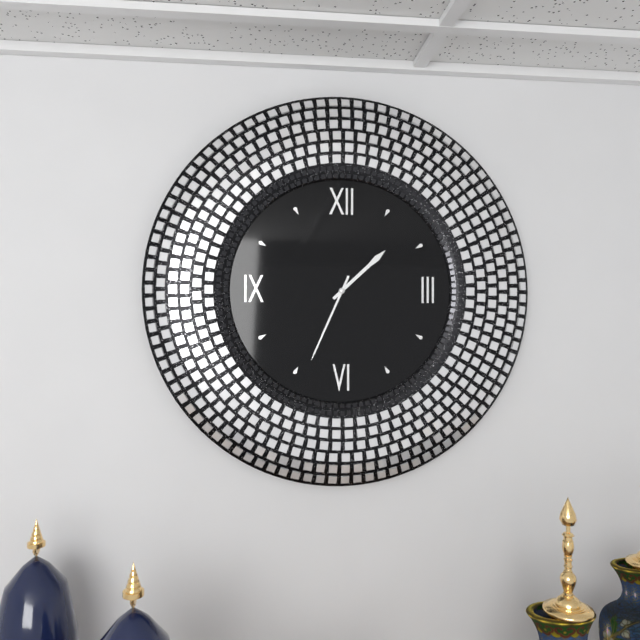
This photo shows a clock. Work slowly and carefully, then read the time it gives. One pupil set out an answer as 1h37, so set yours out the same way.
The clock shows 1h34
